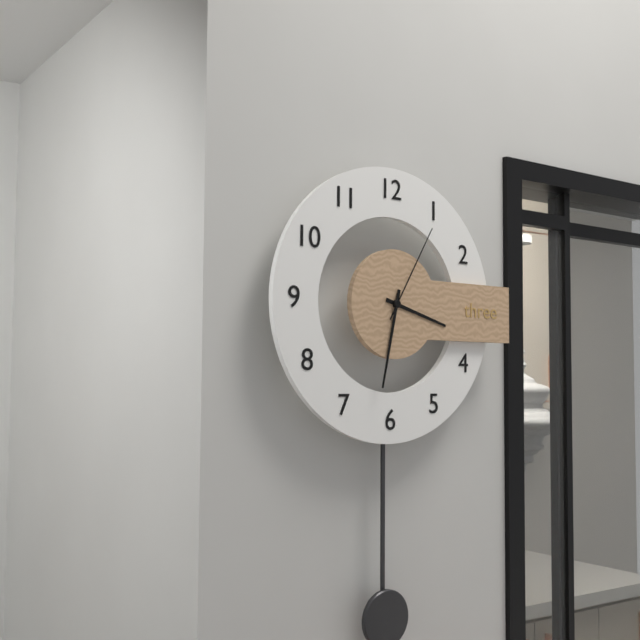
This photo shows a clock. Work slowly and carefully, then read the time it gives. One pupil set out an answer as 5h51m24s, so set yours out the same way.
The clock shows 3h32m05s
